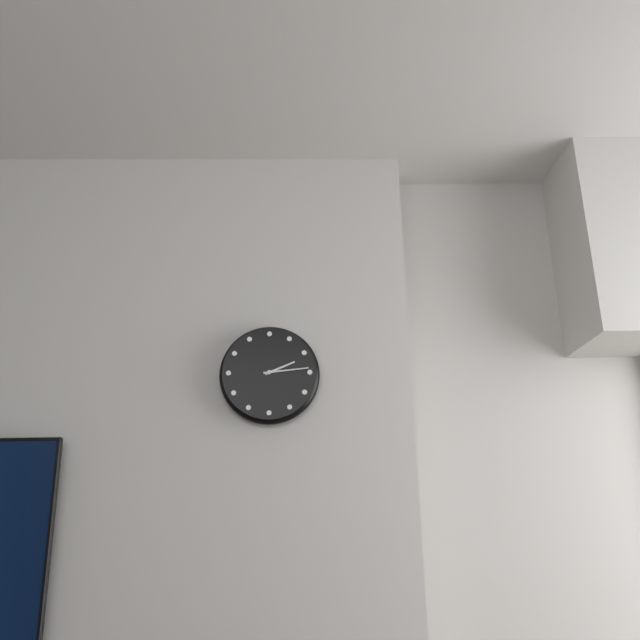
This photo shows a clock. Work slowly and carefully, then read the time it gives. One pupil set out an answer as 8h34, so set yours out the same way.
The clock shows 2h14
